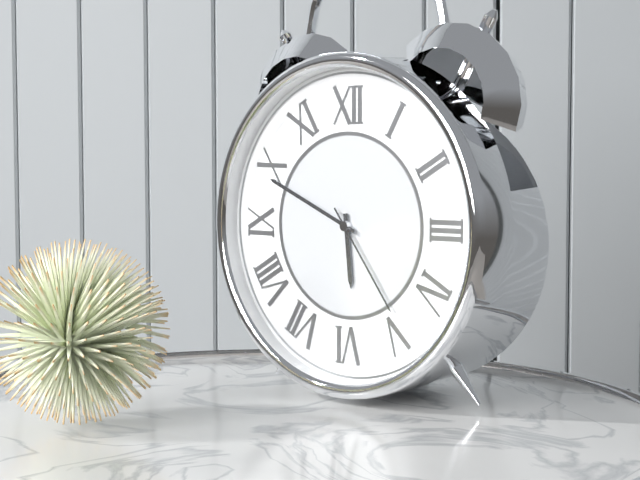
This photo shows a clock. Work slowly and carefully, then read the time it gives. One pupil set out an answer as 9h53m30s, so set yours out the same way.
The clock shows 5h49m24s
